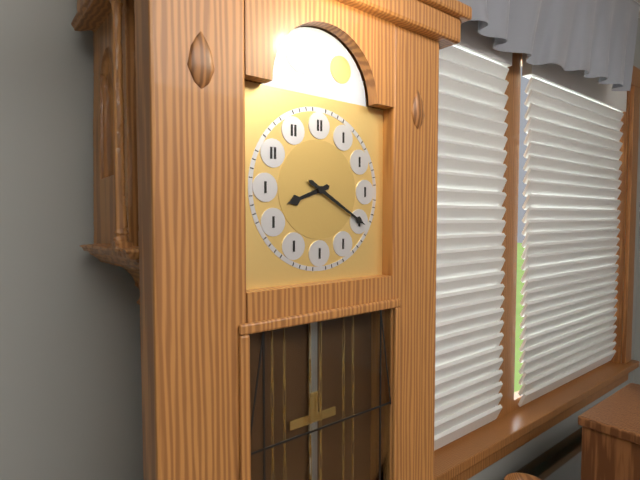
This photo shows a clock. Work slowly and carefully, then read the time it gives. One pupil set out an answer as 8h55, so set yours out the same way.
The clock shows 8h20
